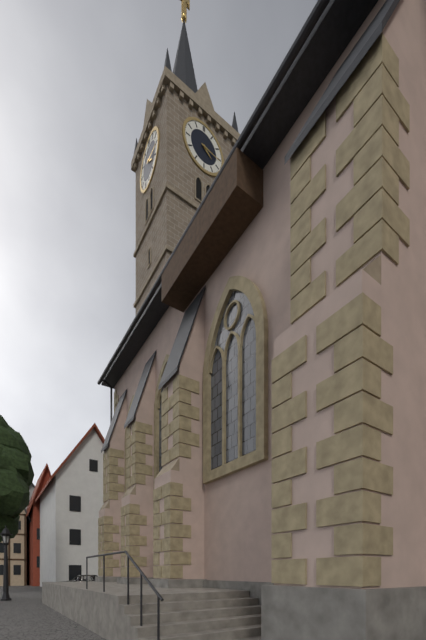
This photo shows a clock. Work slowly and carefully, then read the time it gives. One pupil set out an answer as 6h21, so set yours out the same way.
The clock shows 4h16
